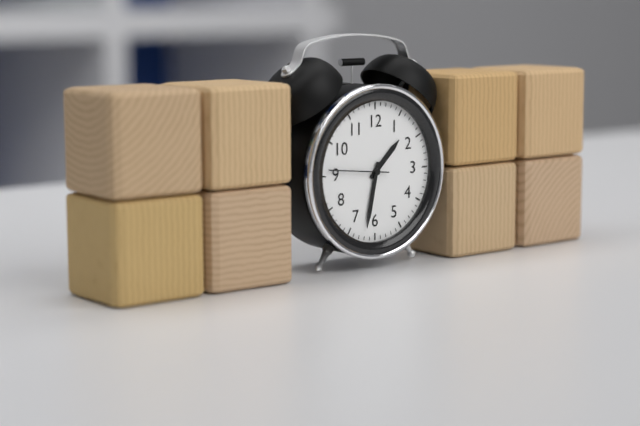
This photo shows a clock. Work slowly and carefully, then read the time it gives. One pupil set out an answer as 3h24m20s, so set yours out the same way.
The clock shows 1h32m46s
